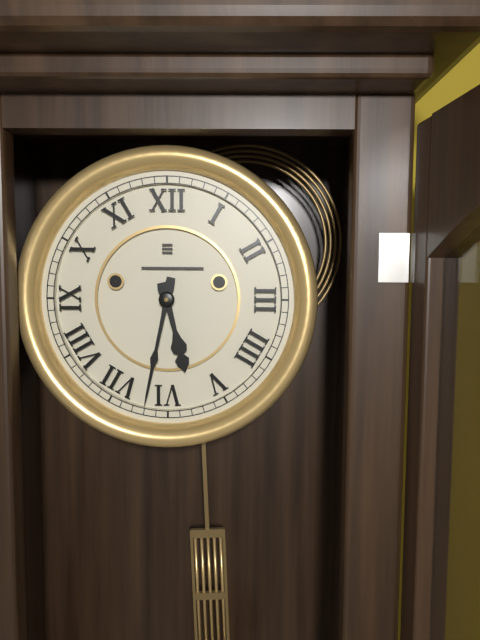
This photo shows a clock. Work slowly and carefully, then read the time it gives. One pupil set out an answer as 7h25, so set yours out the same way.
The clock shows 5h32
